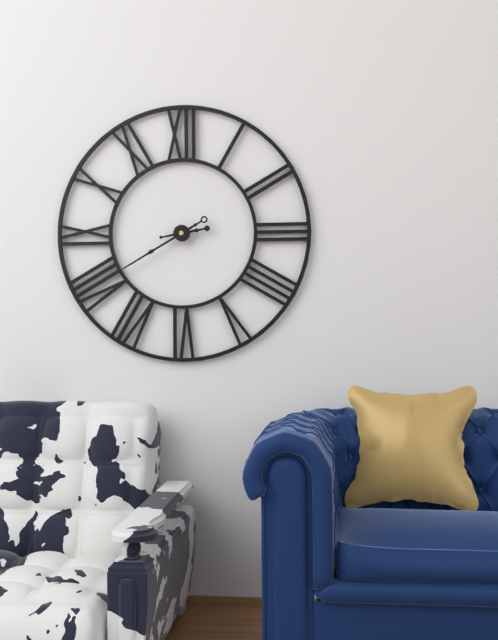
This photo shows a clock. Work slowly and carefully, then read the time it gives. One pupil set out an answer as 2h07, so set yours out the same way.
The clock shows 2h40
